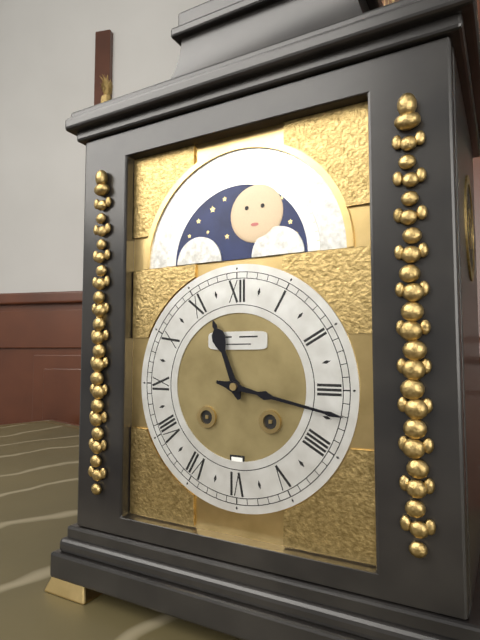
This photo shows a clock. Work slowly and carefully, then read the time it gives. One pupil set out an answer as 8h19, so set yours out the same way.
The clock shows 11h17
